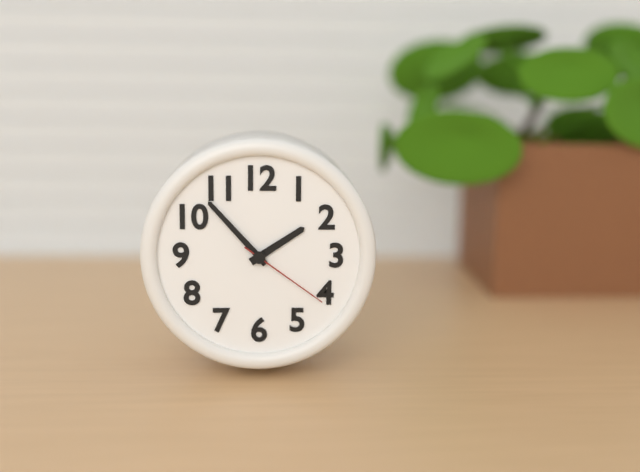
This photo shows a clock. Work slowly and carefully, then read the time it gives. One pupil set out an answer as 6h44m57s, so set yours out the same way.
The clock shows 1h53m21s
